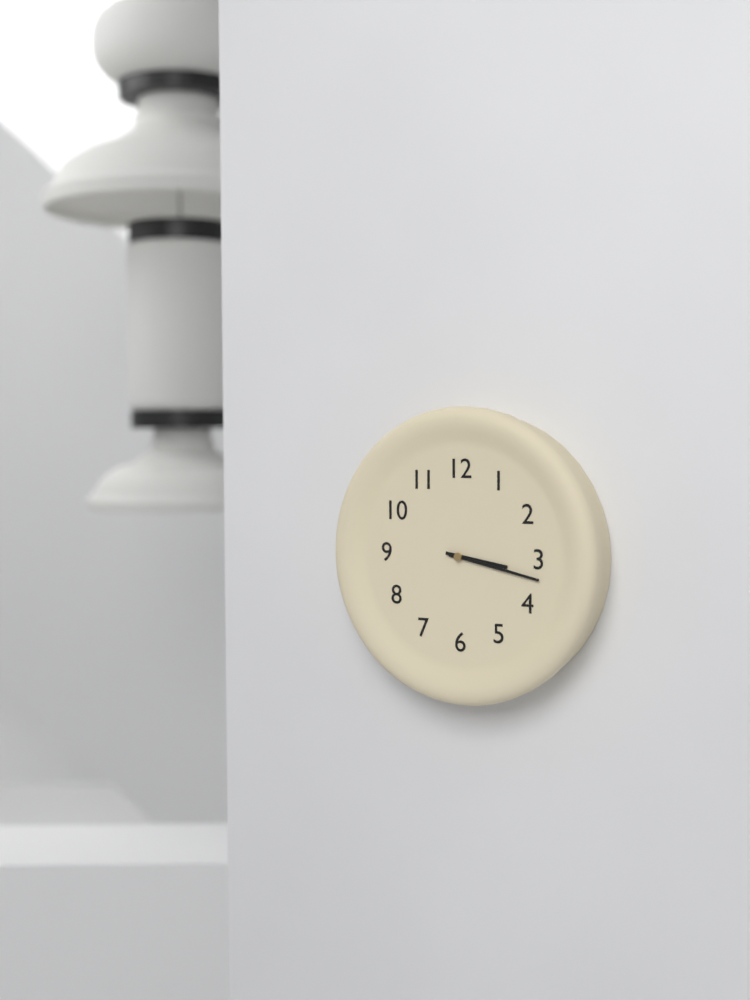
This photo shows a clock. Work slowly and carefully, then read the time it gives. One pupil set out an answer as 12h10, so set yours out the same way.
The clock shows 3h17
